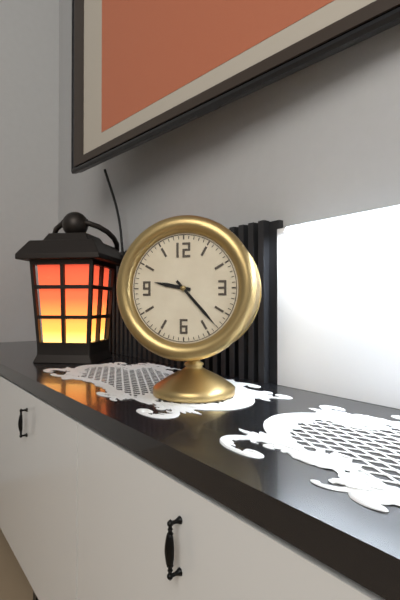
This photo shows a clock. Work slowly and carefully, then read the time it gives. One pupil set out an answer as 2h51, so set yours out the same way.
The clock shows 9h23
